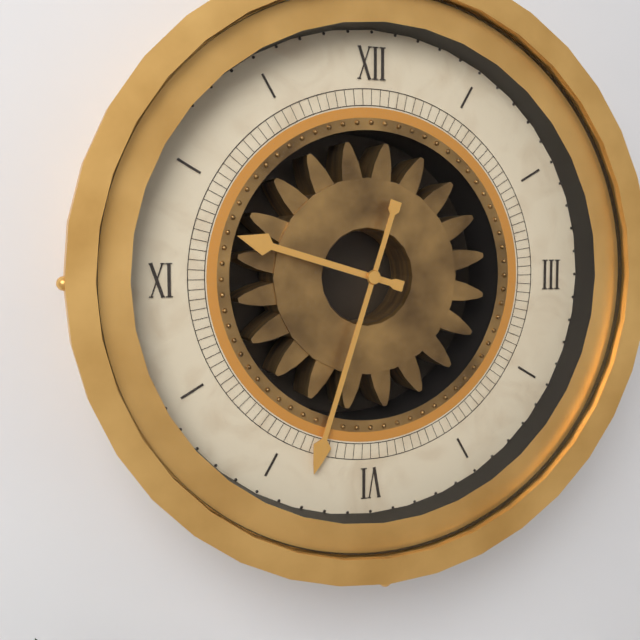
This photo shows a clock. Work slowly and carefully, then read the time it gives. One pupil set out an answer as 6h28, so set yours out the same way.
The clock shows 9h33
